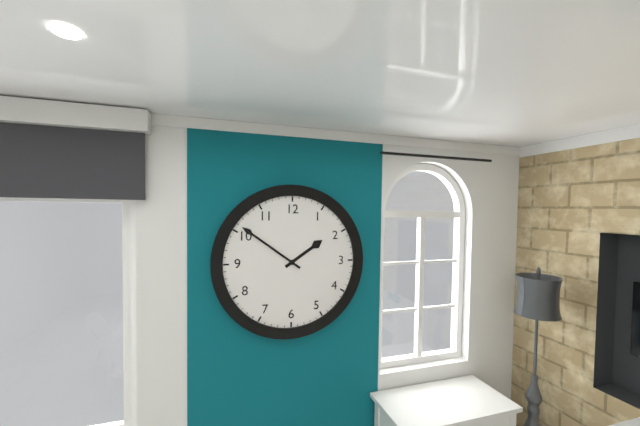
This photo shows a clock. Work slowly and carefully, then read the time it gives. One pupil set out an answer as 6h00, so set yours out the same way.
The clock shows 1h51
